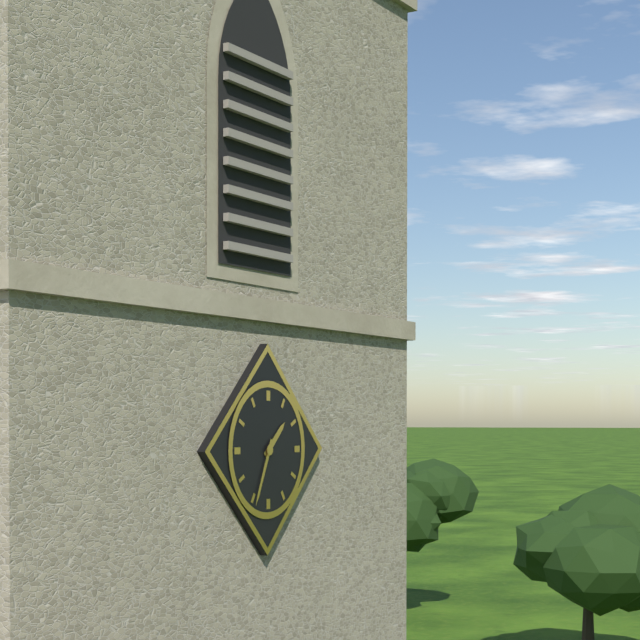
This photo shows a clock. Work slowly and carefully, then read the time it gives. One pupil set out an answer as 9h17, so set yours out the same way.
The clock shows 1h34
